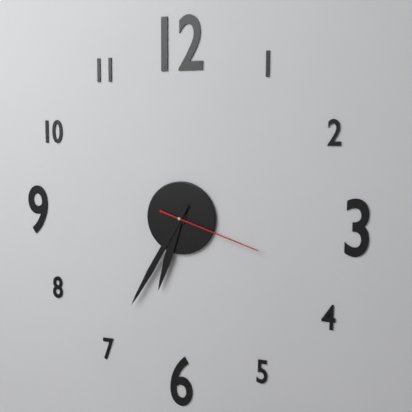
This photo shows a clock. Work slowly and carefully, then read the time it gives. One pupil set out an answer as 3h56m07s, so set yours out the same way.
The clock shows 6h35m18s
